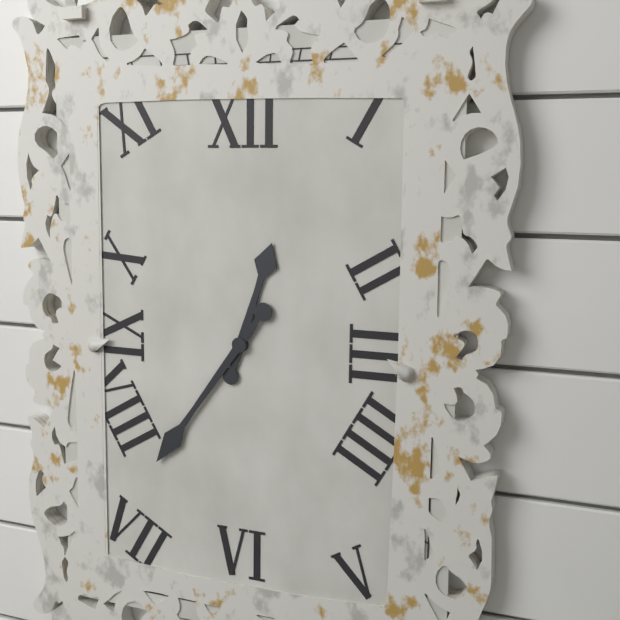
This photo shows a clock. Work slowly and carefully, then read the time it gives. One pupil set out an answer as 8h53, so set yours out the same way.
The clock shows 12h36
